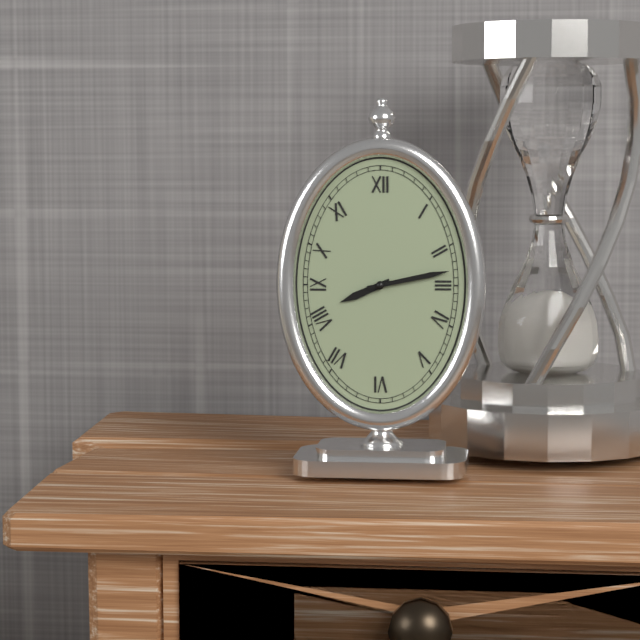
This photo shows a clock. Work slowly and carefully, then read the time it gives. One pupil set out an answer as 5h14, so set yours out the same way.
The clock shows 8h13
